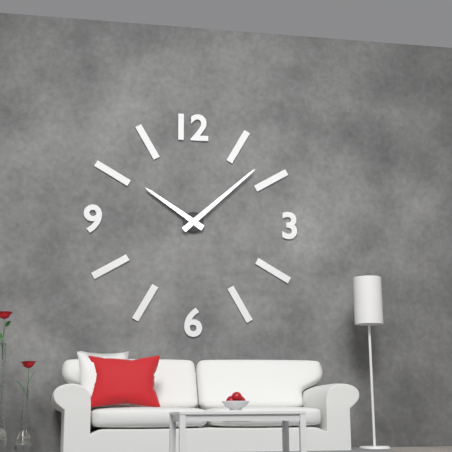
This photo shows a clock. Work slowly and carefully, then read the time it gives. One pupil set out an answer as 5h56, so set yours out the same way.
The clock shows 10h08
